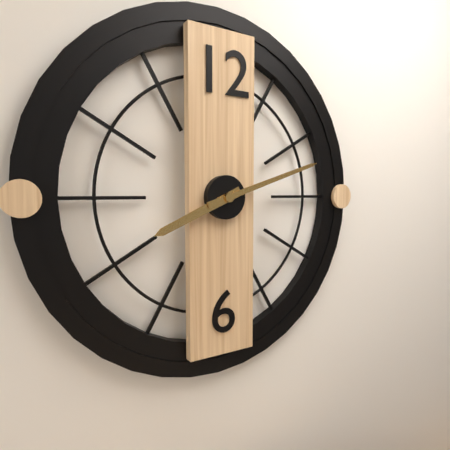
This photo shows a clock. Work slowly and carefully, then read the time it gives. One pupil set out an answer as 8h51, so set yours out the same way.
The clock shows 8h12
